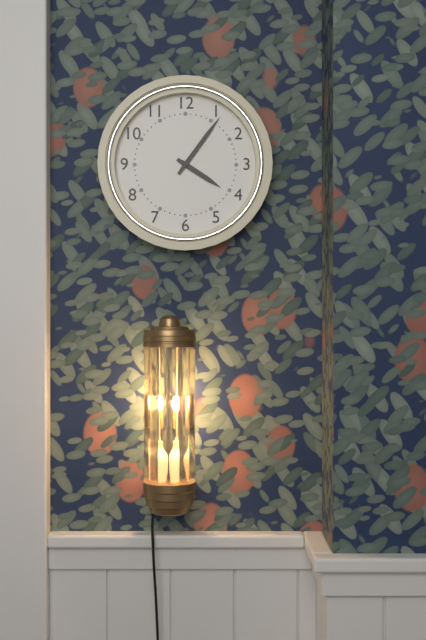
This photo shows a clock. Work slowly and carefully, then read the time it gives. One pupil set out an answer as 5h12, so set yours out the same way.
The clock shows 4h06
